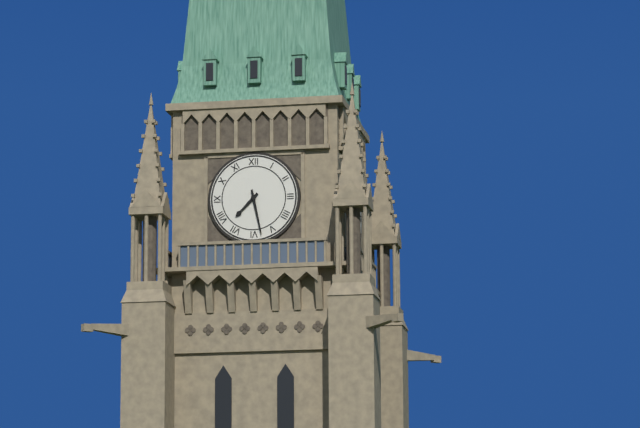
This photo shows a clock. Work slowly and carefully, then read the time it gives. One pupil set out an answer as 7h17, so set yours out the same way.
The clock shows 7h28
